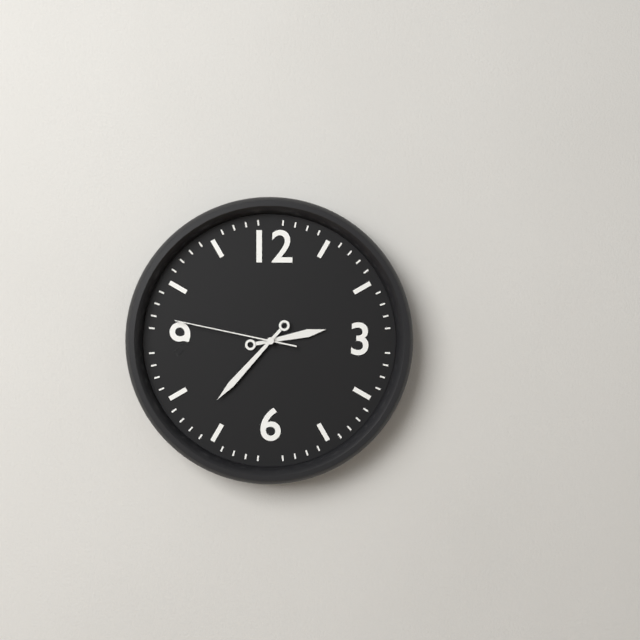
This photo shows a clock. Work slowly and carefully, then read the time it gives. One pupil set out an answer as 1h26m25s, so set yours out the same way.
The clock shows 2h37m47s
